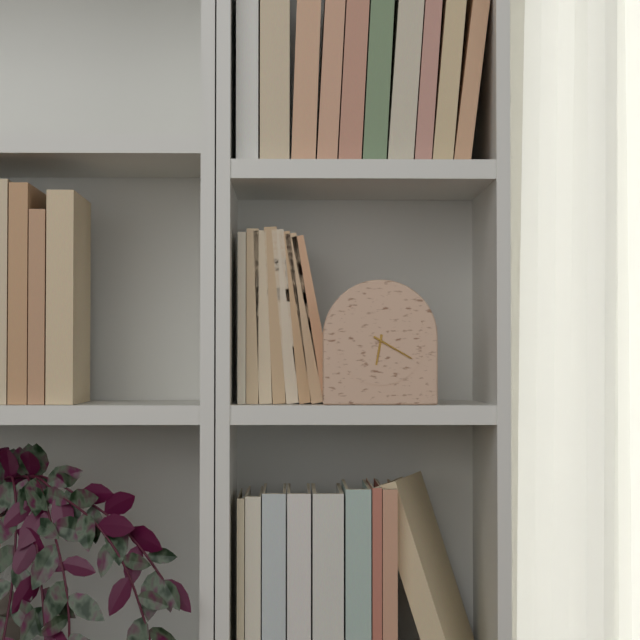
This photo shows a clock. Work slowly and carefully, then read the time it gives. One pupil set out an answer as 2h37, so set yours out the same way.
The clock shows 6h20
